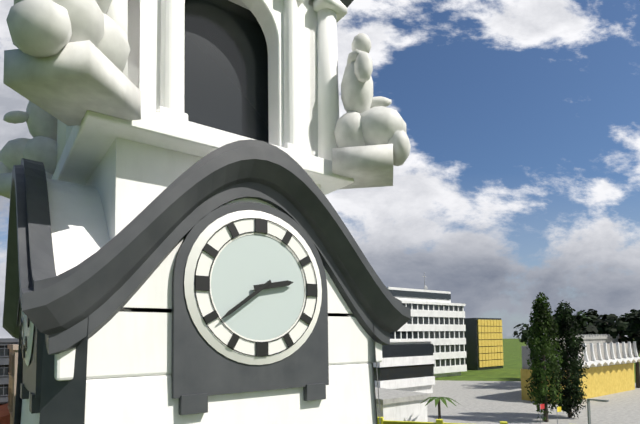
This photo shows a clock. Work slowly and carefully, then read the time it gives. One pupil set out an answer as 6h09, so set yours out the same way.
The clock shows 2h39
